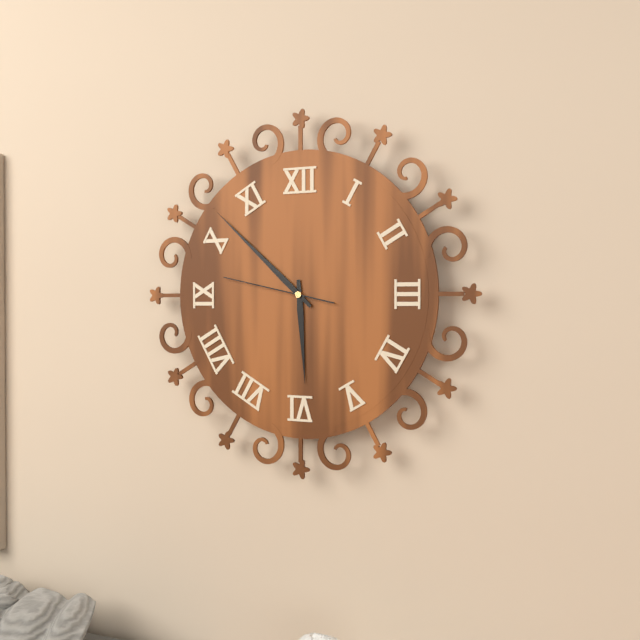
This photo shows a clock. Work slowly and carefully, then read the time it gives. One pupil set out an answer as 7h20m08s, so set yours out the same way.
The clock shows 5h52m47s
